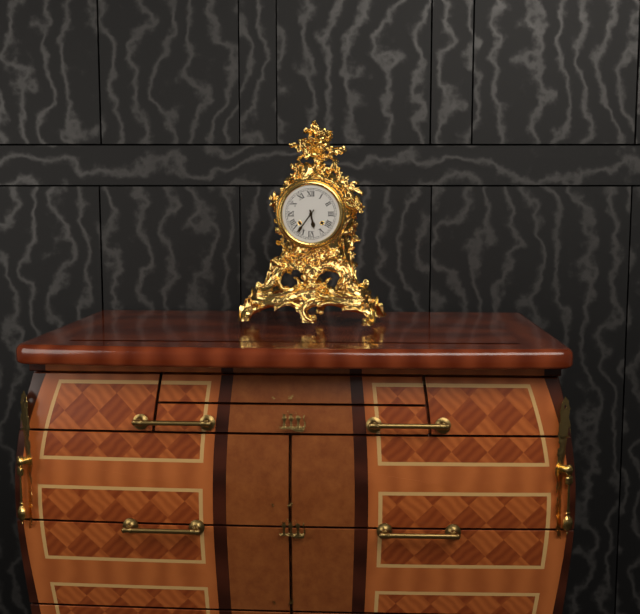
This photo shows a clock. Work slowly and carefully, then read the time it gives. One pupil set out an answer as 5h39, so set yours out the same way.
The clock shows 5h36
